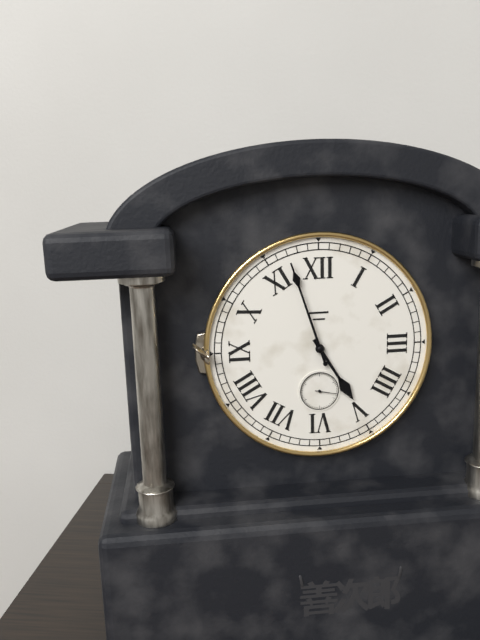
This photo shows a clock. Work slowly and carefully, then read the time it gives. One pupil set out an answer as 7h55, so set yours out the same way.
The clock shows 4h57
